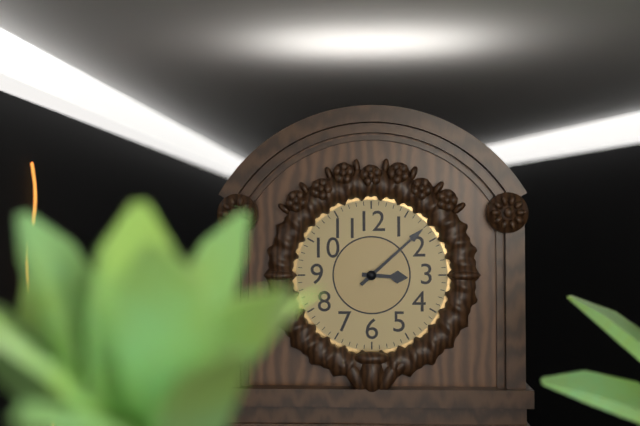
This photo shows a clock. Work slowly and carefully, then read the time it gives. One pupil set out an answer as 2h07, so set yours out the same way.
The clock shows 3h08
